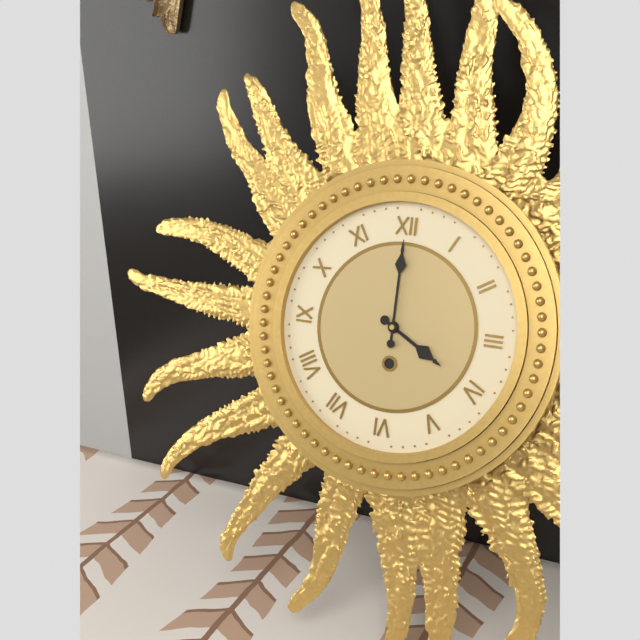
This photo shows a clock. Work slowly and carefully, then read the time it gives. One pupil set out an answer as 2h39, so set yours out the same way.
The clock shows 4h00
